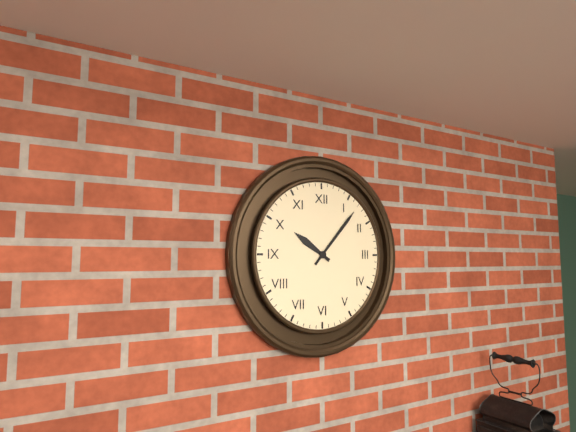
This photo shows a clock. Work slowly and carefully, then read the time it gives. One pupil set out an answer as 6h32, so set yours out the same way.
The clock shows 10h07
